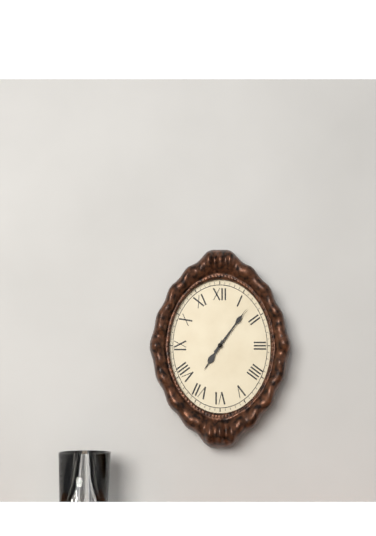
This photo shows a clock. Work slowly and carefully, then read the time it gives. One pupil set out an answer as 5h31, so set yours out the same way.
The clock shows 7h06
